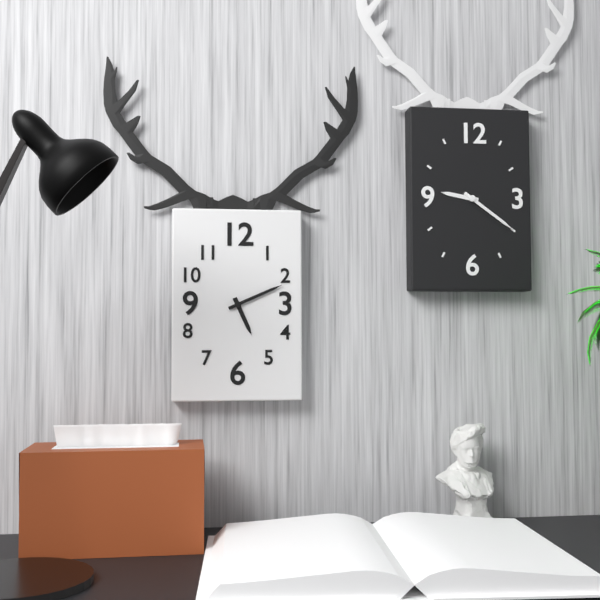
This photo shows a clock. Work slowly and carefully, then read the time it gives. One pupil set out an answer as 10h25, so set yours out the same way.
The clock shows 5h11
